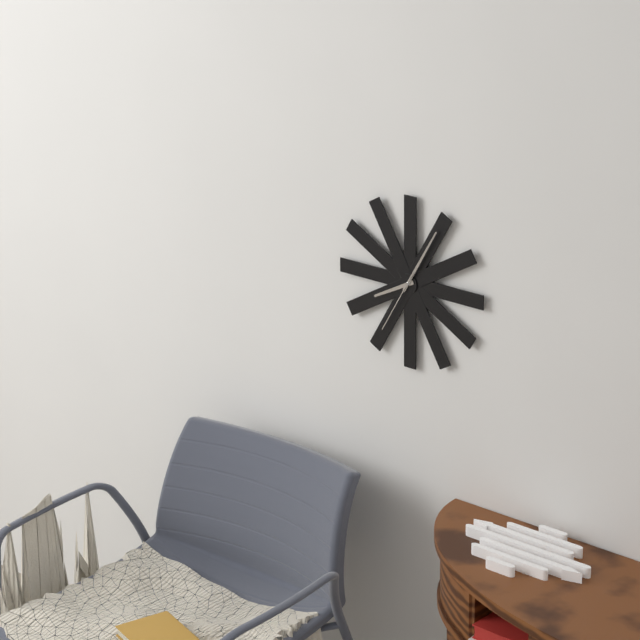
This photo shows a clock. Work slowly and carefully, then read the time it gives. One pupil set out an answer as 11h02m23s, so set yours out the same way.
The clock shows 8h05m35s
